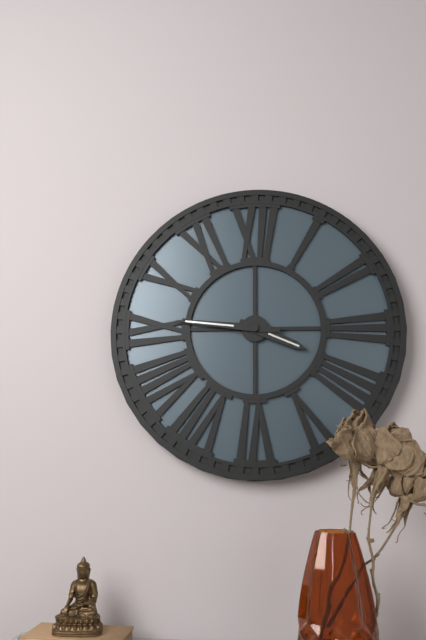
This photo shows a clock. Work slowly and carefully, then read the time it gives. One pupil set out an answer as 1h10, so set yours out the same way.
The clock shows 3h46
